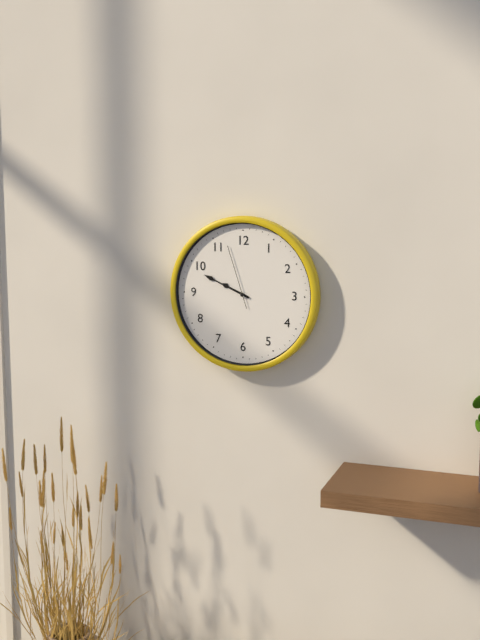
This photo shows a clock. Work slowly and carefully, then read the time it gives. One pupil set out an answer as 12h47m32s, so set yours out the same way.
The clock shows 9h49m57s
